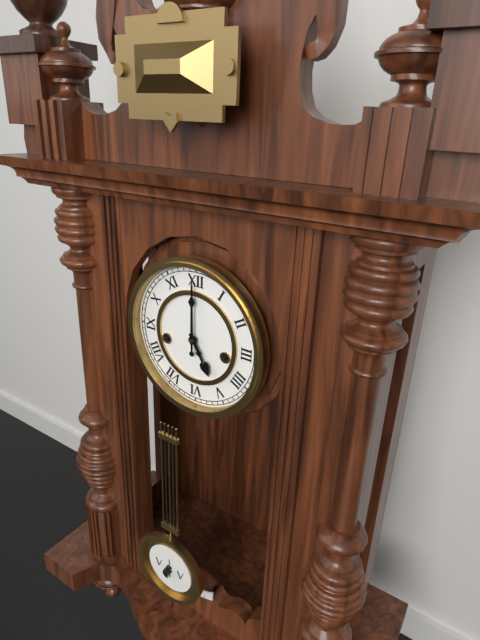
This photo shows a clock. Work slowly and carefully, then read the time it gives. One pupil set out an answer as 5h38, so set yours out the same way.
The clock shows 5h00
